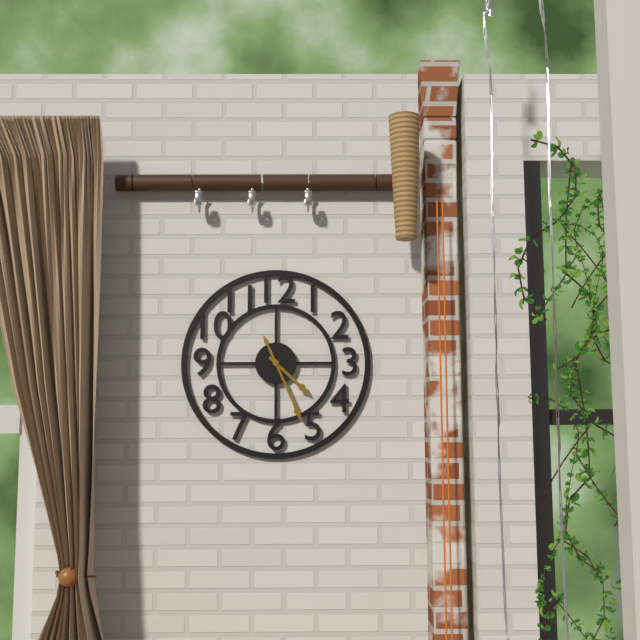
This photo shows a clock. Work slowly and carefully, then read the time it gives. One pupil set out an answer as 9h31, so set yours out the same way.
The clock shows 4h26
